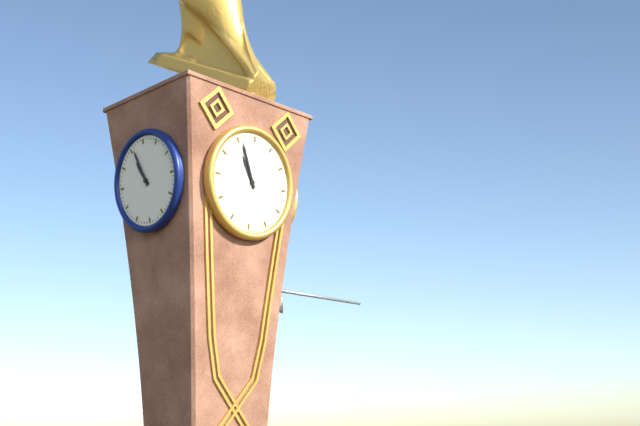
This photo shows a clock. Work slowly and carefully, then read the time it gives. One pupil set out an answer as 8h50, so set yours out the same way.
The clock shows 10h56
